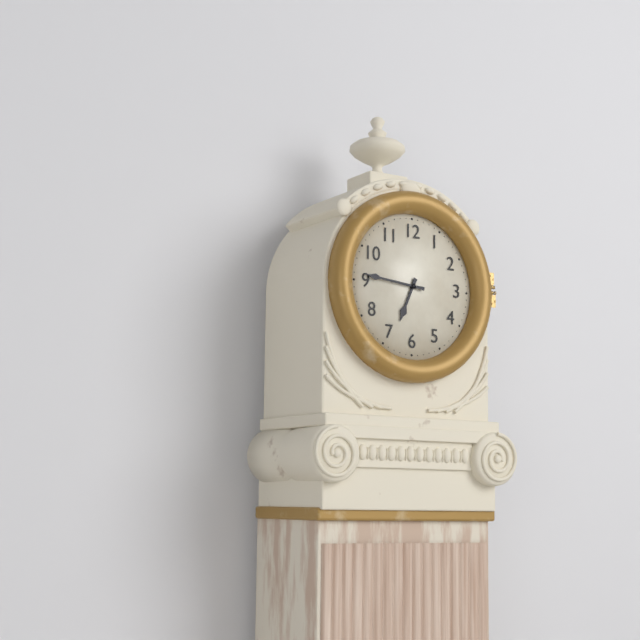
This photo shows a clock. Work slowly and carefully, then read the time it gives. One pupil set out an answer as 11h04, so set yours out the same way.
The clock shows 6h46
